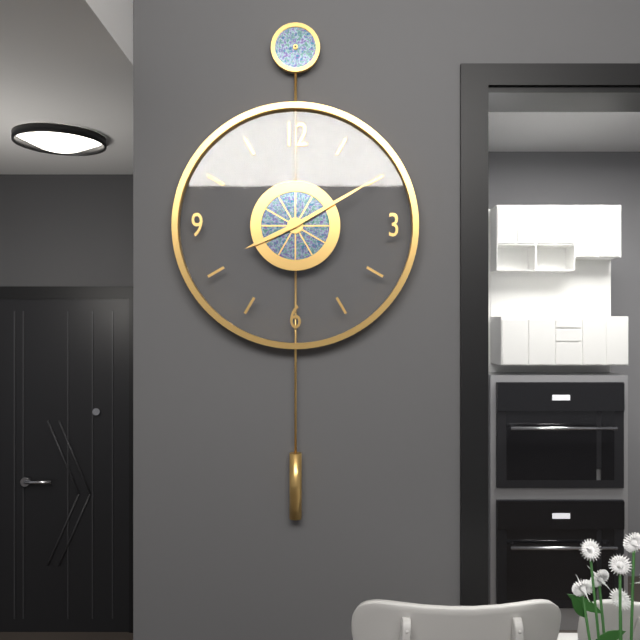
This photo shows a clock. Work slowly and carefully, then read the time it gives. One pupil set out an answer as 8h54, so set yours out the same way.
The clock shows 8h10
